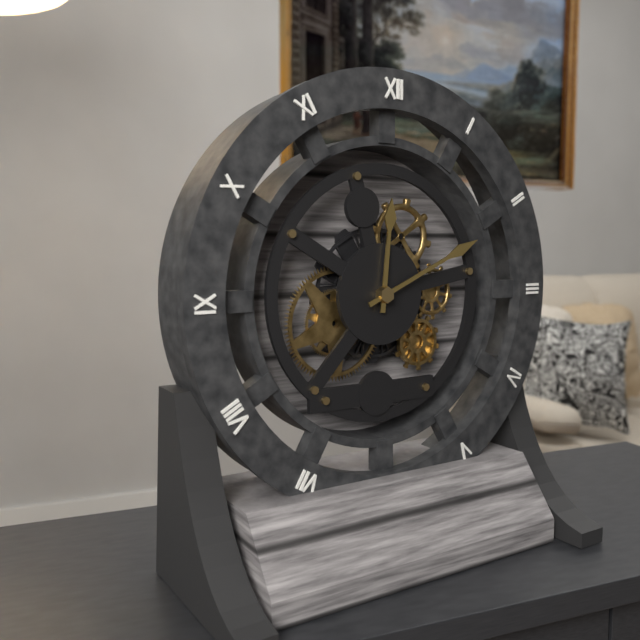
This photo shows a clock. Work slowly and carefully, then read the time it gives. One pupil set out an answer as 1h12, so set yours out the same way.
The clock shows 12h11
